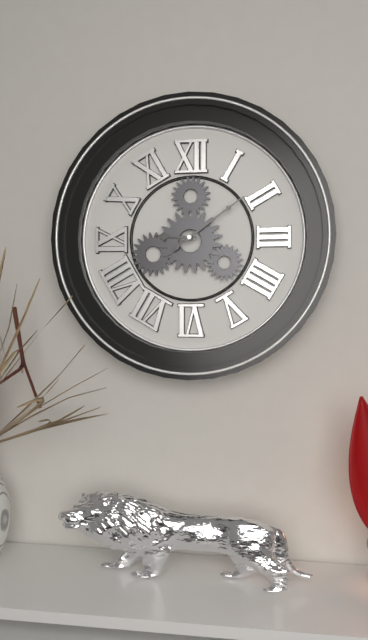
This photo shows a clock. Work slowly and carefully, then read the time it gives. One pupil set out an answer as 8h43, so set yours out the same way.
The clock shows 9h09
